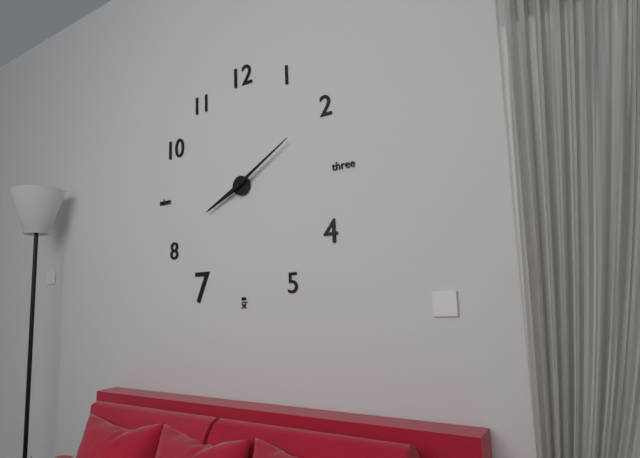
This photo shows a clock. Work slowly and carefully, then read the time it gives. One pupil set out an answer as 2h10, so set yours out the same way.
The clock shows 8h10
